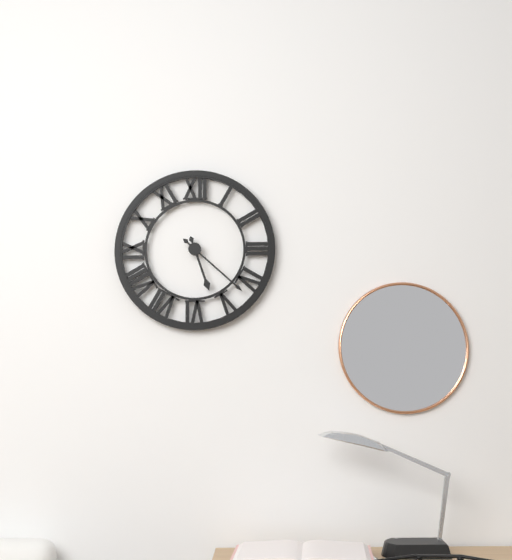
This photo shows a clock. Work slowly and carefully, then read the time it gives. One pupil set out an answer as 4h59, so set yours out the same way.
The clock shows 5h22
